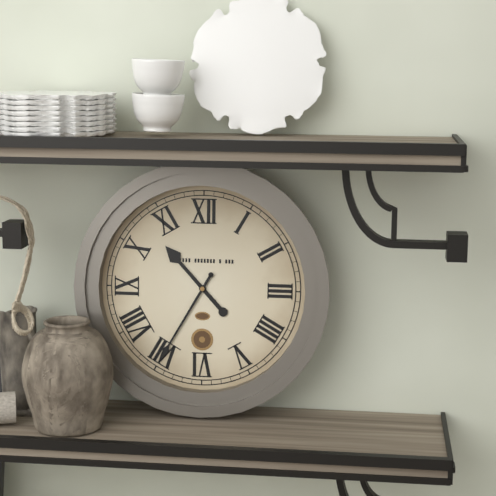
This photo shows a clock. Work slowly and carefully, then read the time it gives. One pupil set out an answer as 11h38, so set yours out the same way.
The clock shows 10h35
